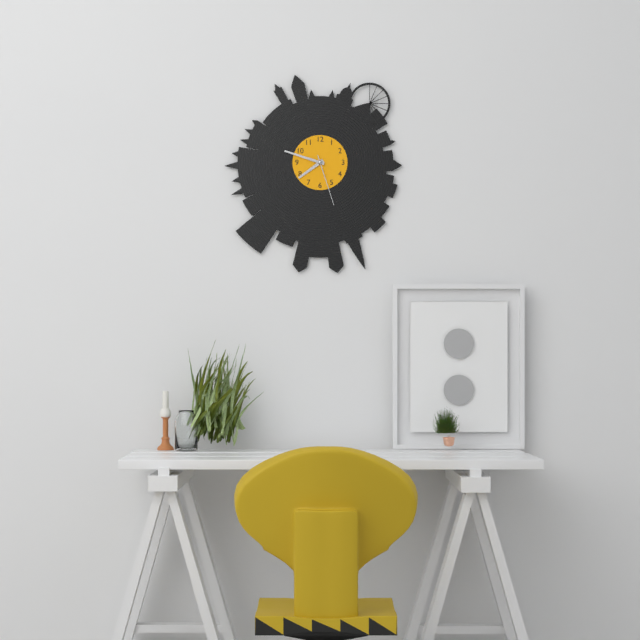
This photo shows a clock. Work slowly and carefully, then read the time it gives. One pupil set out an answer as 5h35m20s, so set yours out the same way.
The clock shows 7h48m27s
